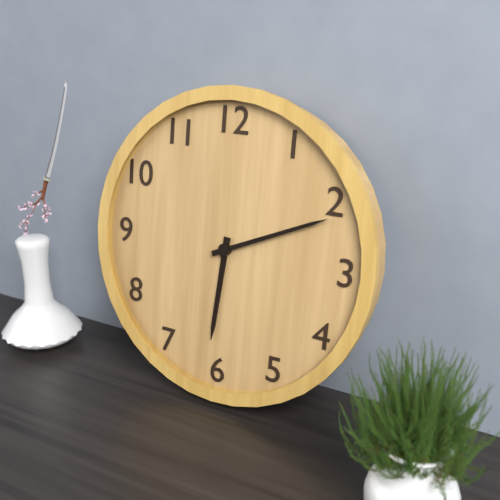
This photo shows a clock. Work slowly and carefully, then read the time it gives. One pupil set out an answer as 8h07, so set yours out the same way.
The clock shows 6h11
